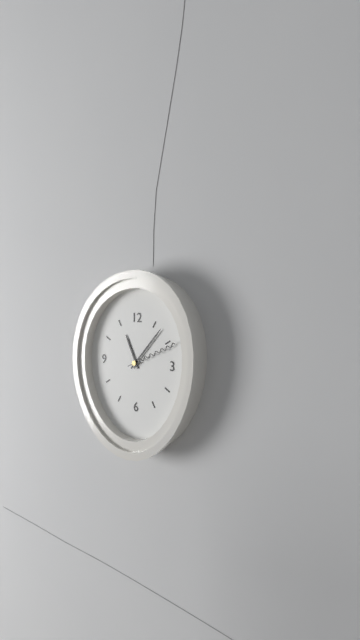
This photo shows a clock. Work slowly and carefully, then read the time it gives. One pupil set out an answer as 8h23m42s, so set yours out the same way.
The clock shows 11h07m11s
